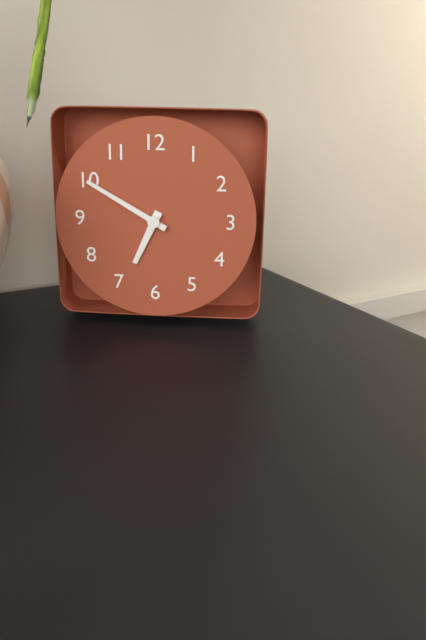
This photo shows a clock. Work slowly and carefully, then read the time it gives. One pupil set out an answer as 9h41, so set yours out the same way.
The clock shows 6h50
